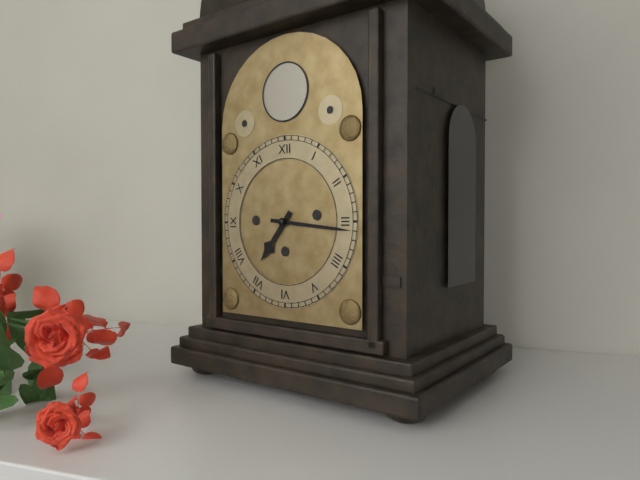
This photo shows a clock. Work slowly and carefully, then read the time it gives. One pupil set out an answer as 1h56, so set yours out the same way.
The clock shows 7h16
